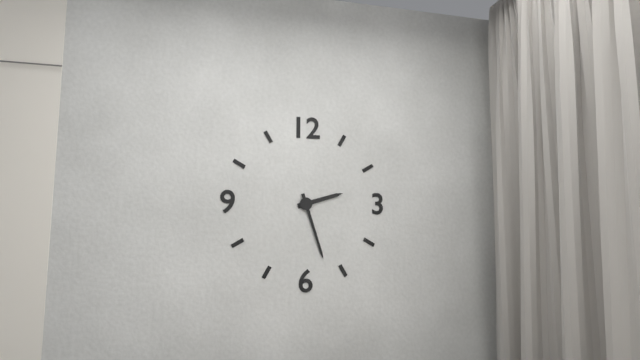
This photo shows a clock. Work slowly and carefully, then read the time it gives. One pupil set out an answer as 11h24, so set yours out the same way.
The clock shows 2h27
